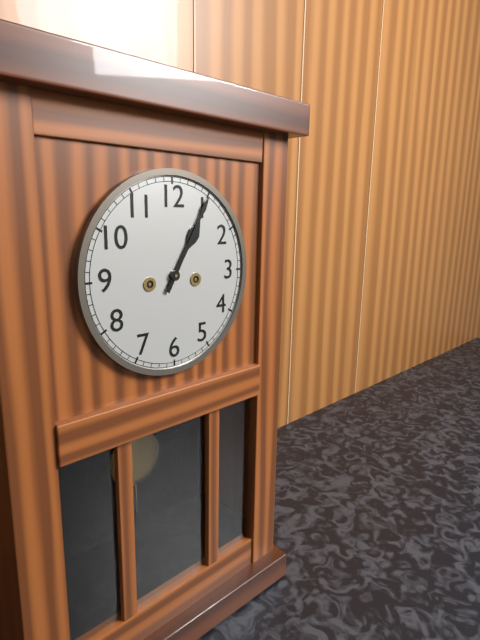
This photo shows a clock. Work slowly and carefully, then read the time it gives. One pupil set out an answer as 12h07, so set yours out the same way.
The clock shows 1h05
